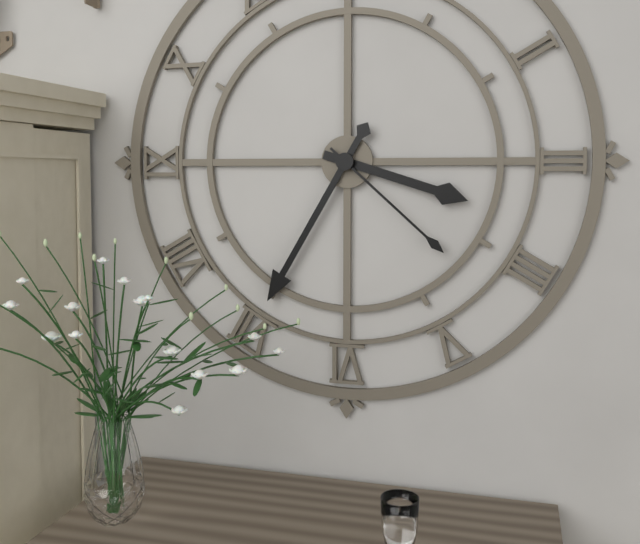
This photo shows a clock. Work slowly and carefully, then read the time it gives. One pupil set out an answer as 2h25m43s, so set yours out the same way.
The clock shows 3h35m22s
